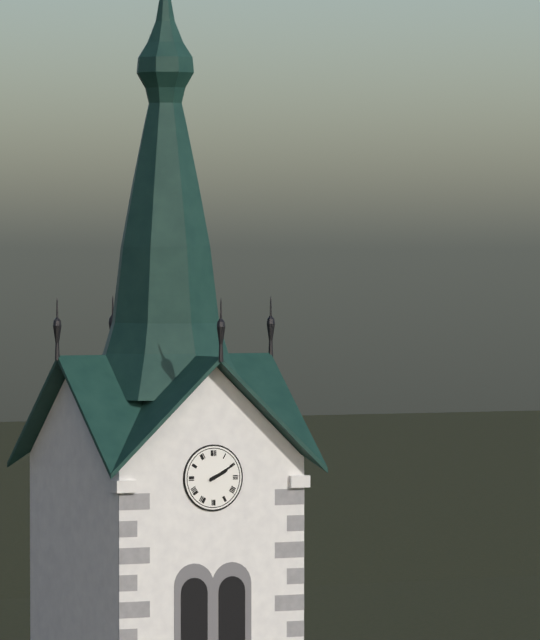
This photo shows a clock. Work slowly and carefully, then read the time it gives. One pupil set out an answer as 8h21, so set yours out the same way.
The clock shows 2h10
